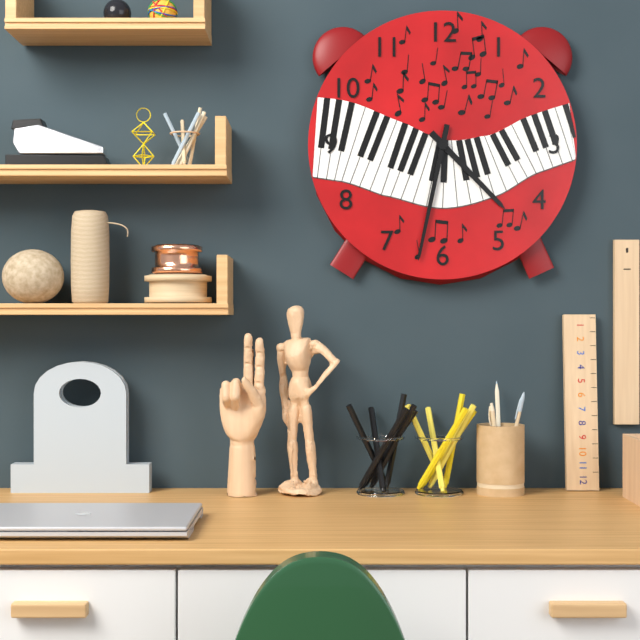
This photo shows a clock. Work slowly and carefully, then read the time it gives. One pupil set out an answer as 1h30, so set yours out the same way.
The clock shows 4h32
